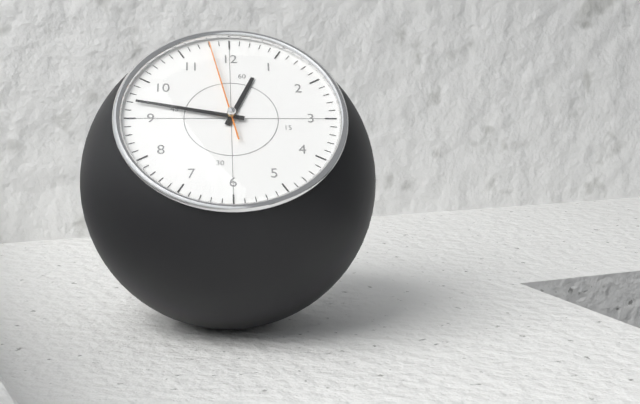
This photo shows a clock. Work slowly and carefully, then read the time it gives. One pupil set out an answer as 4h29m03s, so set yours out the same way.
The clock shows 12h47m58s
